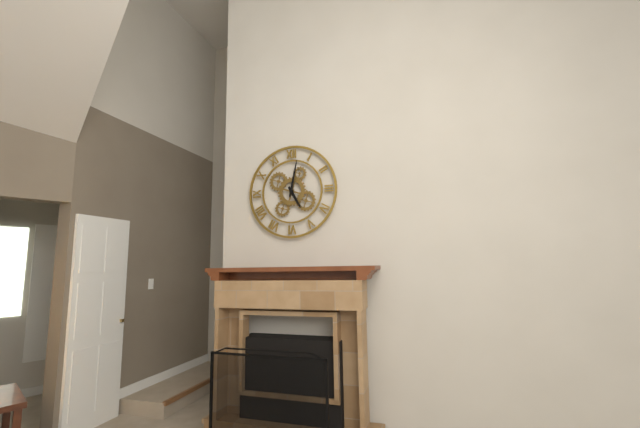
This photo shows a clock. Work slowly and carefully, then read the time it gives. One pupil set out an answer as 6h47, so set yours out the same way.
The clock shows 5h02
